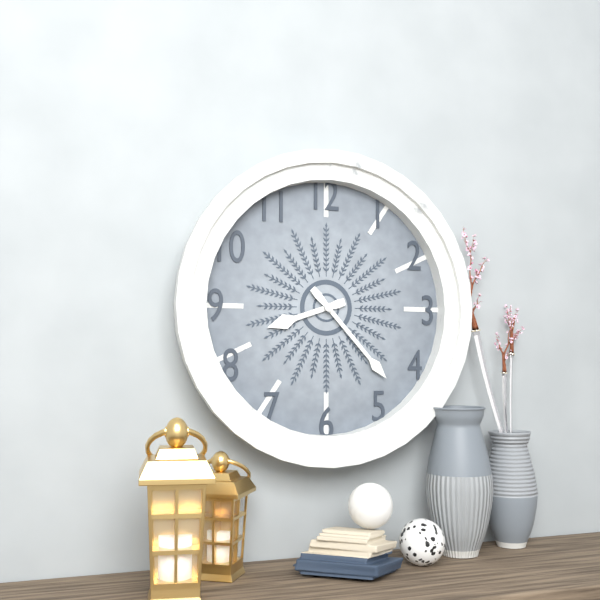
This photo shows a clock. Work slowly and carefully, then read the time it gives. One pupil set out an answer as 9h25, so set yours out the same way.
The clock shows 8h23
